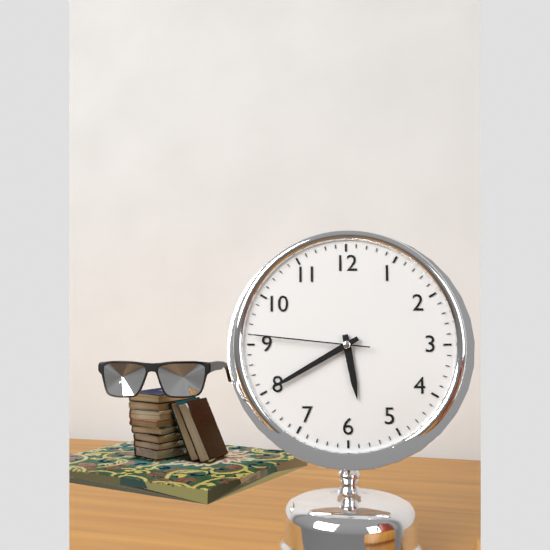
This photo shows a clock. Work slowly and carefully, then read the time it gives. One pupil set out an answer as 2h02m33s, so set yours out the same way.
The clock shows 5h40m46s
